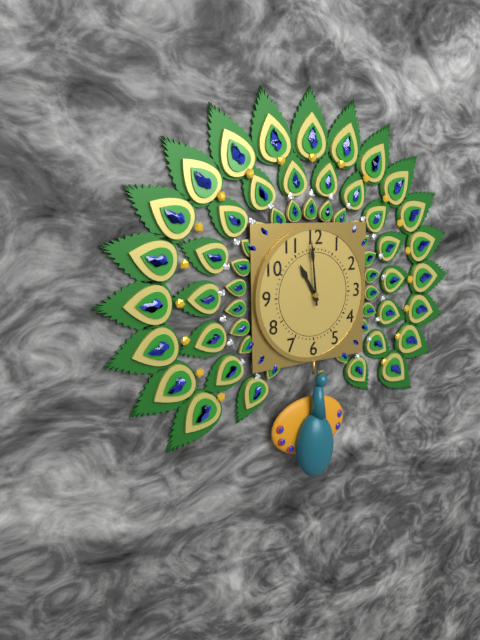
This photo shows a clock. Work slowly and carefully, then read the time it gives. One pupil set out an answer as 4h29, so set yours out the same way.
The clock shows 10h59
